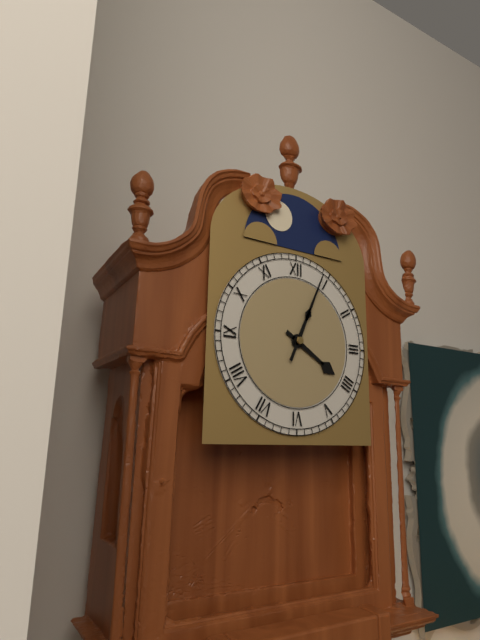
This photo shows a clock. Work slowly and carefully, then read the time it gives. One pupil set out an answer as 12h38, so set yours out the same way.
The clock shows 4h04
